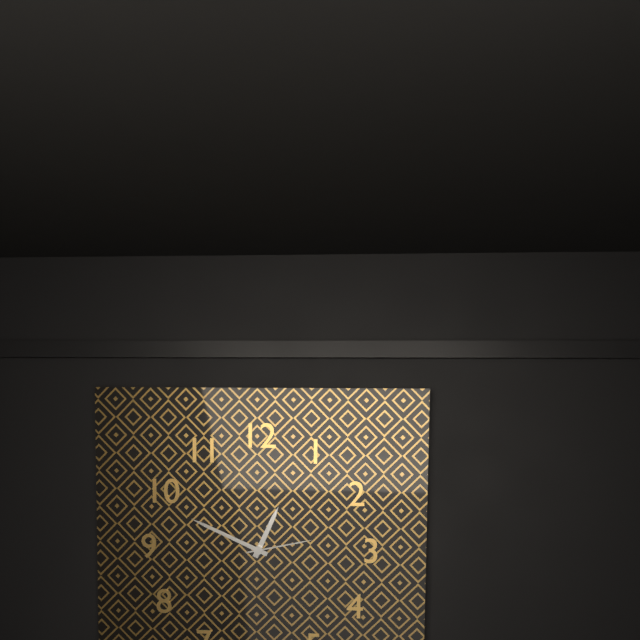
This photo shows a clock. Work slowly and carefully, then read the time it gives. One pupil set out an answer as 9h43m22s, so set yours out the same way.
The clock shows 12h49m13s
